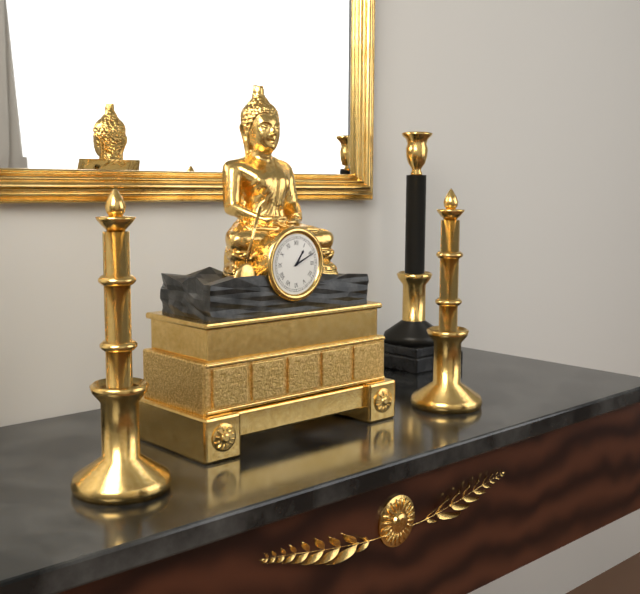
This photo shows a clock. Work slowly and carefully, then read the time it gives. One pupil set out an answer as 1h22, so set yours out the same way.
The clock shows 1h11
